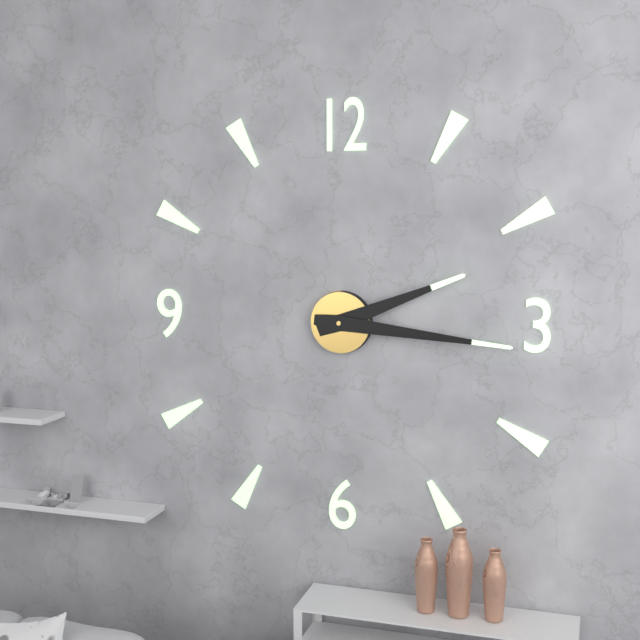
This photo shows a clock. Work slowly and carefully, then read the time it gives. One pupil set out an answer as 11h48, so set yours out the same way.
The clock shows 2h16
